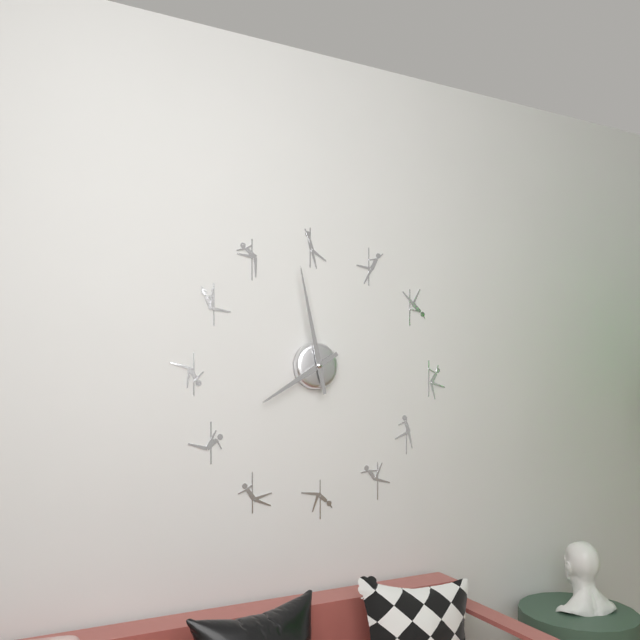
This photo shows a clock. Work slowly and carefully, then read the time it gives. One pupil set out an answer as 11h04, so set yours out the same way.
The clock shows 7h58
